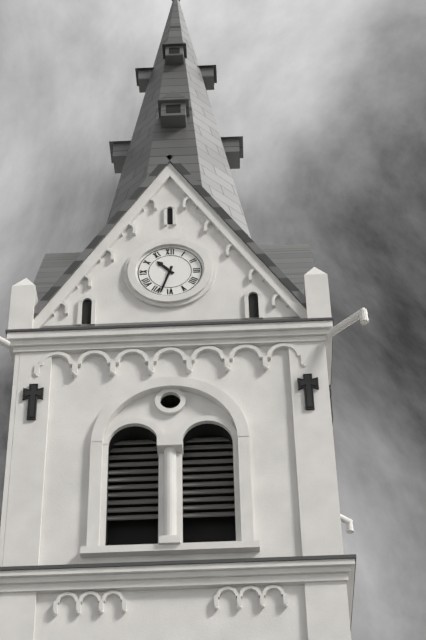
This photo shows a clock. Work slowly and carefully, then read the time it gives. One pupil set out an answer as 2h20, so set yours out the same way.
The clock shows 10h33
